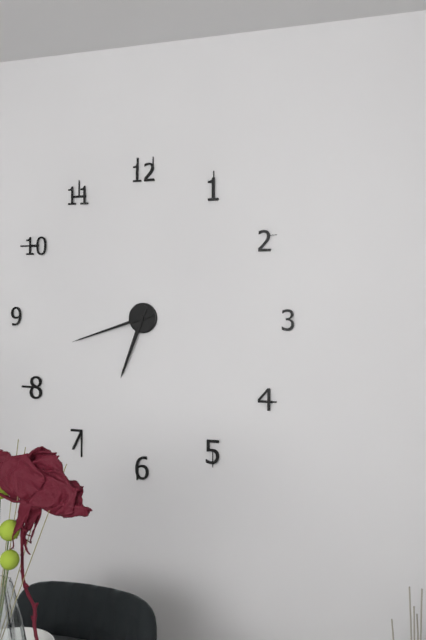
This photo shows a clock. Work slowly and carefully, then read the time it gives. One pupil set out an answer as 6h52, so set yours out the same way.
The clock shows 6h42
